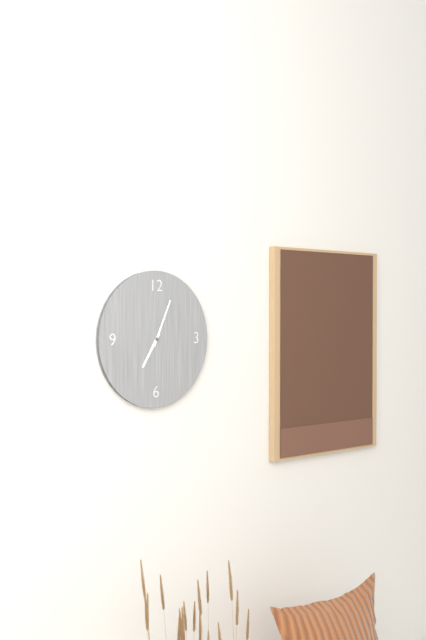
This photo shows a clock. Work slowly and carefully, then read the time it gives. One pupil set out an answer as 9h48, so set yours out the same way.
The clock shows 7h04
